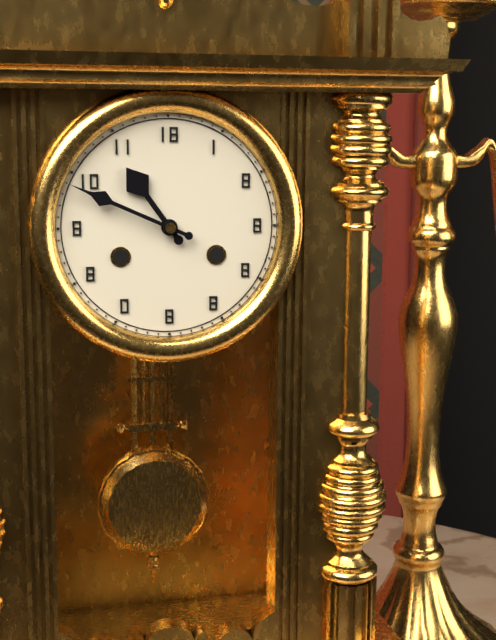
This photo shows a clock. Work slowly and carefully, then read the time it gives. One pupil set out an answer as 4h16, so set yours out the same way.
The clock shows 10h49
